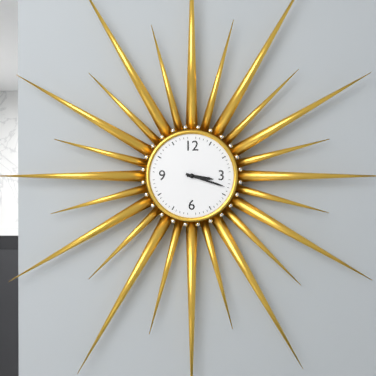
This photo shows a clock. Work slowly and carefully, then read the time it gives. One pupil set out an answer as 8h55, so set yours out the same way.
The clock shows 3h18
